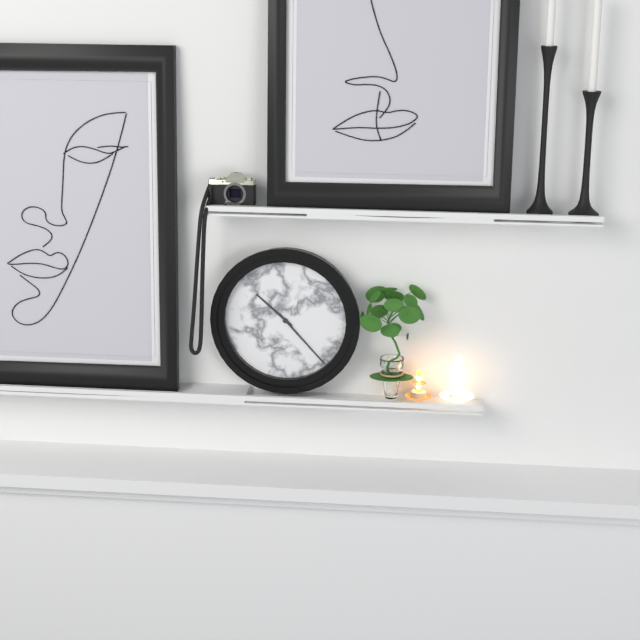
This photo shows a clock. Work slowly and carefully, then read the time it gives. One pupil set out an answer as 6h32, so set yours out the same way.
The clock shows 10h23
